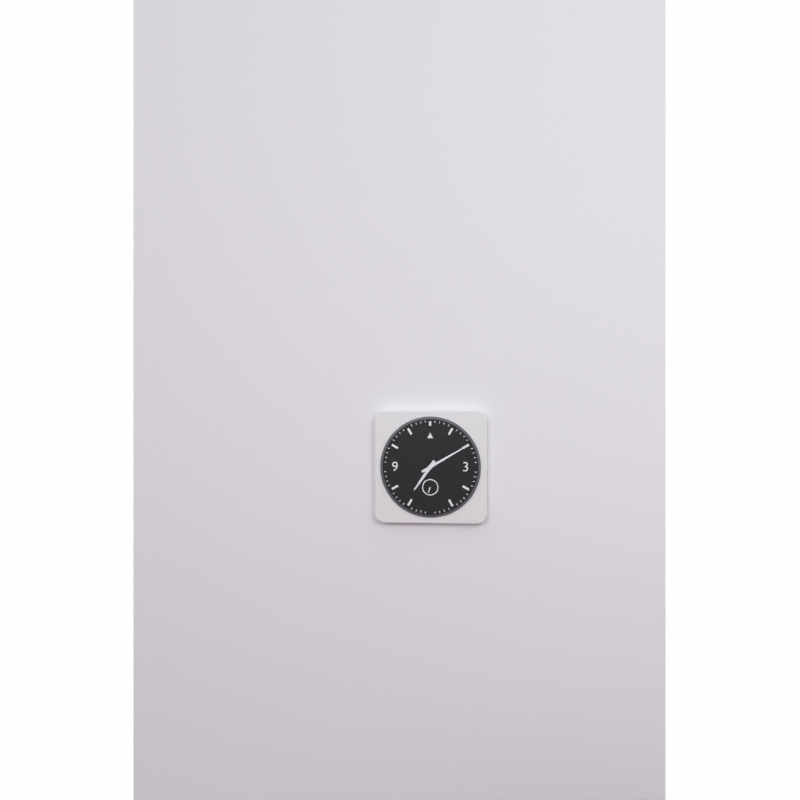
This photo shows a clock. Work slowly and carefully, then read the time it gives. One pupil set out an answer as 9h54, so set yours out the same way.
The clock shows 7h10
